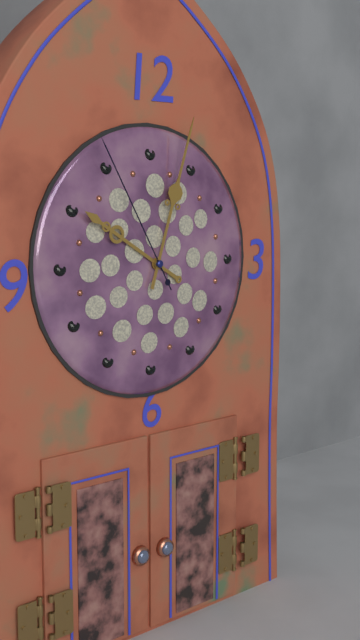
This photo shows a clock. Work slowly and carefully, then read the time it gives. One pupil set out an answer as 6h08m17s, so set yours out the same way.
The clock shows 10h03m55s
